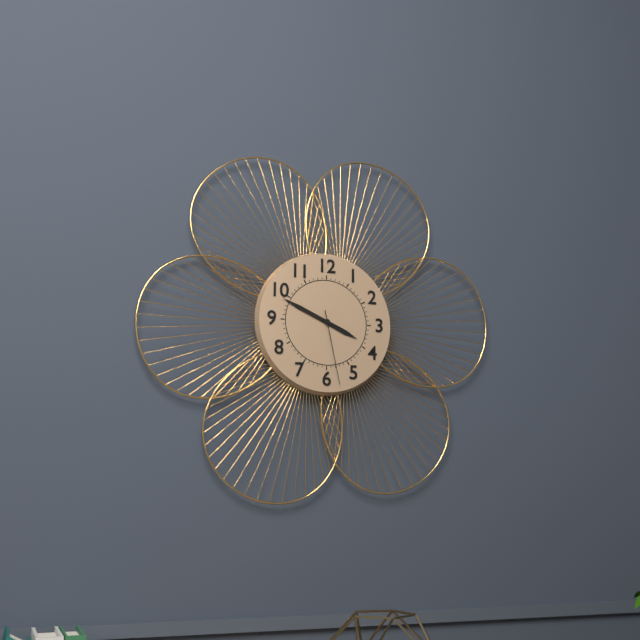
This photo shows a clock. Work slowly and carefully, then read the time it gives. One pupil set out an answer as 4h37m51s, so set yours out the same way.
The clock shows 3h49m28s
